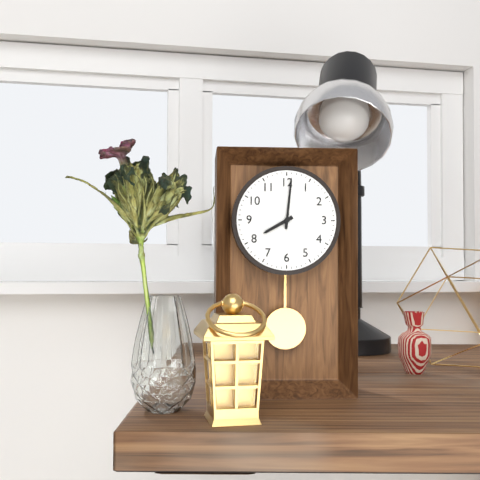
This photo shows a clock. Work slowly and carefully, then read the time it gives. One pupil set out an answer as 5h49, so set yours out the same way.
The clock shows 8h01
